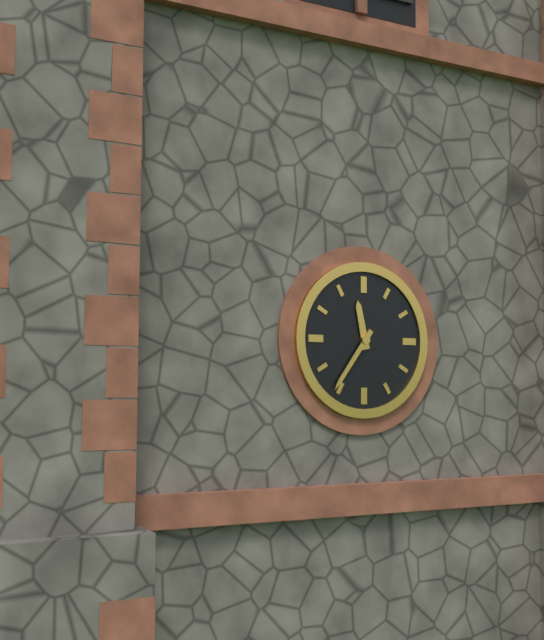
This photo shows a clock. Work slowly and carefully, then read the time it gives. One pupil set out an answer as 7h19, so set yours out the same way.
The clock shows 11h36
